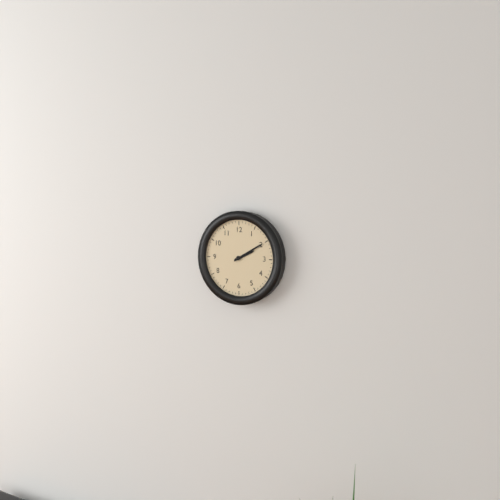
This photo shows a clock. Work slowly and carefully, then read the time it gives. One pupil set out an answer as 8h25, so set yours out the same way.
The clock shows 2h10
